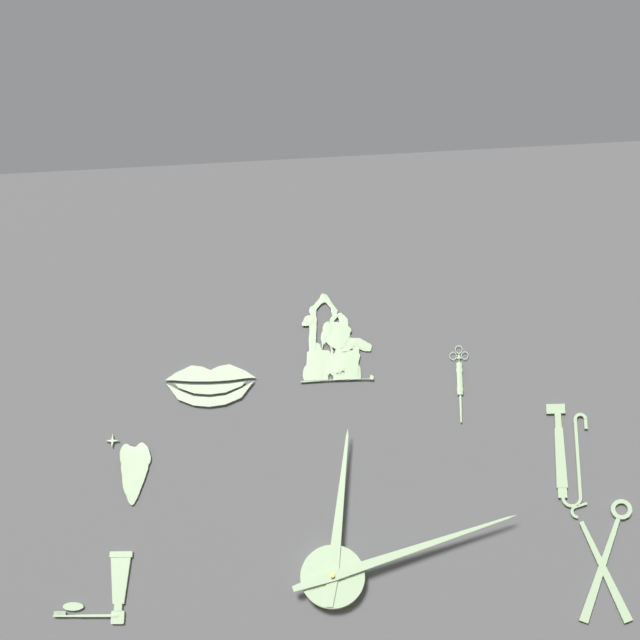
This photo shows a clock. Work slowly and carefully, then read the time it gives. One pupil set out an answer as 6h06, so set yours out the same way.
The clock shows 12h12
